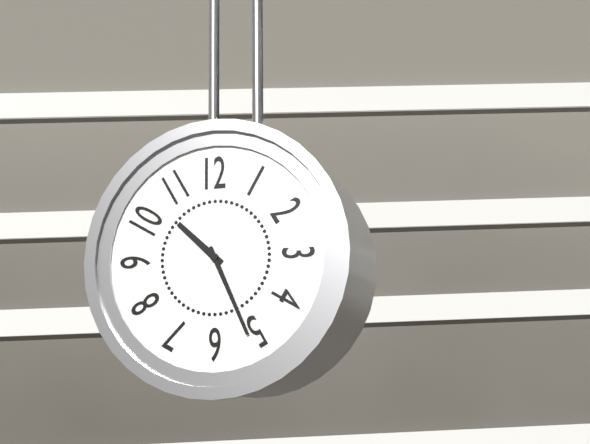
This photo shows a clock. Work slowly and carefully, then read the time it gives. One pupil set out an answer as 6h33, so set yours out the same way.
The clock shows 10h26
